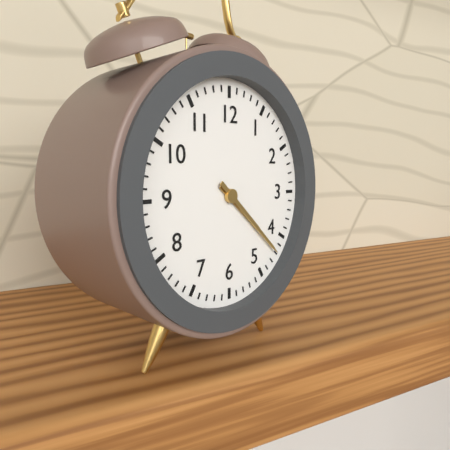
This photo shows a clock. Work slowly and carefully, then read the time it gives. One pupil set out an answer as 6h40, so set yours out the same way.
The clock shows 4h22
